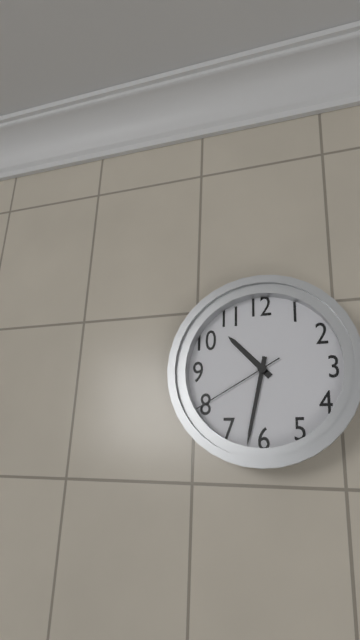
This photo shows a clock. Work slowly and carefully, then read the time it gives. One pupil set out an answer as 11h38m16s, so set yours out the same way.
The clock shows 10h32m40s
